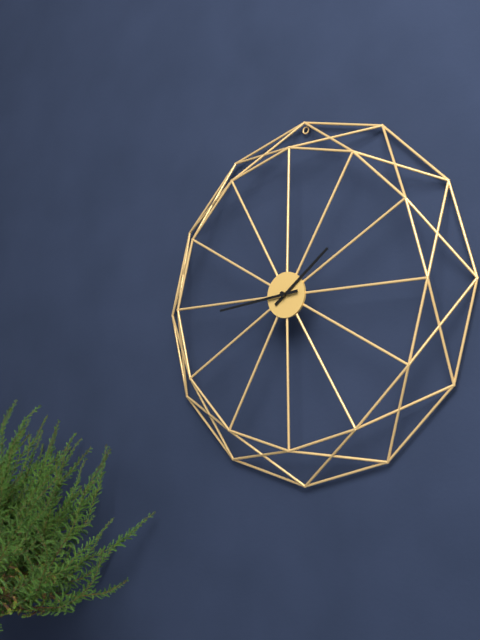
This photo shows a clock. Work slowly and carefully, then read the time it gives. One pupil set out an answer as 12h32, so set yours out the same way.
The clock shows 1h44
